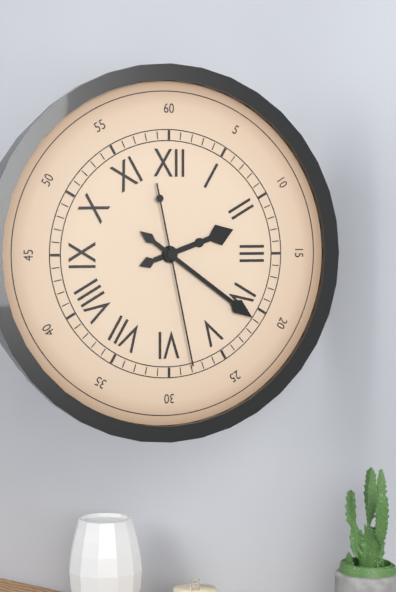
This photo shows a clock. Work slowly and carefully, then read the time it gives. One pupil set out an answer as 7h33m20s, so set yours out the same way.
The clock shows 2h21m28s
